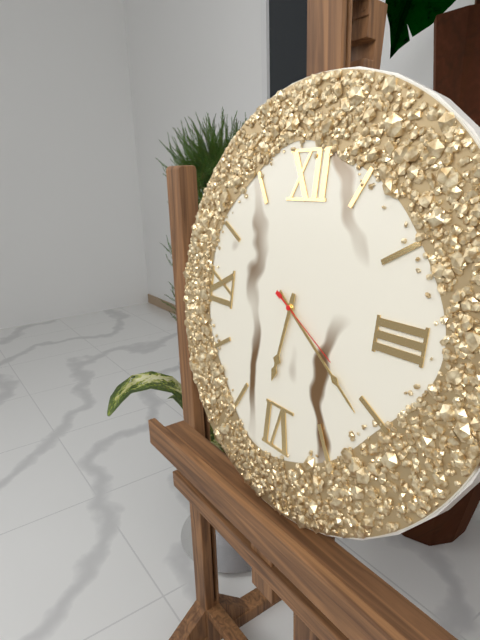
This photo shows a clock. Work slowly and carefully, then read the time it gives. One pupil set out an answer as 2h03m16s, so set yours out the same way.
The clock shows 6h21m20s
